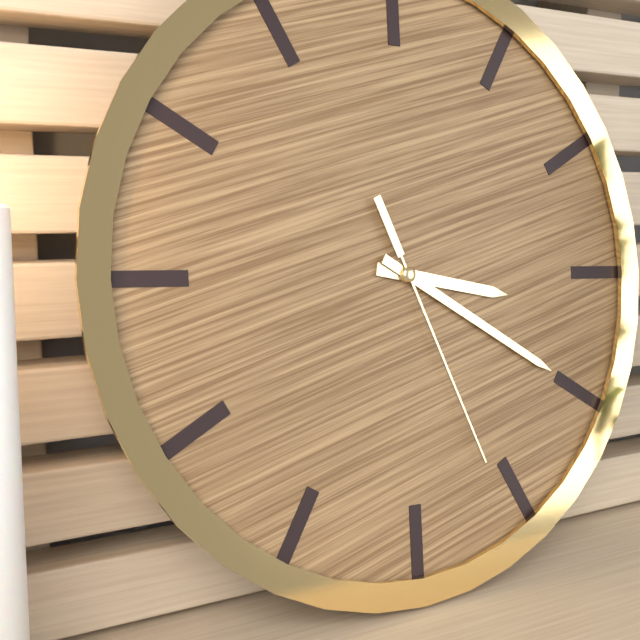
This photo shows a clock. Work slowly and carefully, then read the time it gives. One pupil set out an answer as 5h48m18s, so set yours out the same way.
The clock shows 3h20m26s
